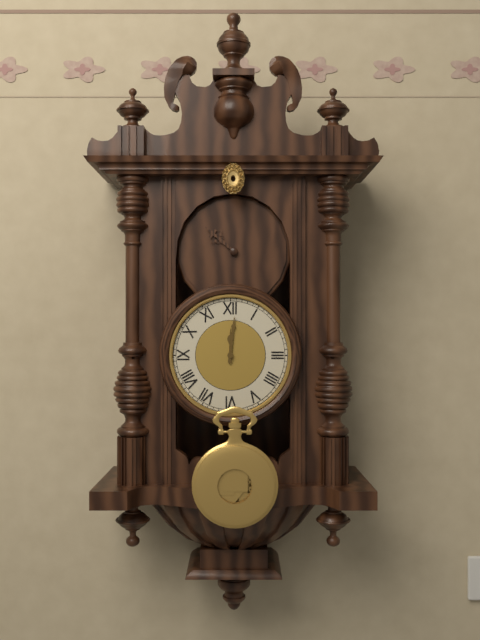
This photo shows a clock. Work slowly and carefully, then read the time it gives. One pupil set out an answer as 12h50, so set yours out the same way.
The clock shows 12h01
